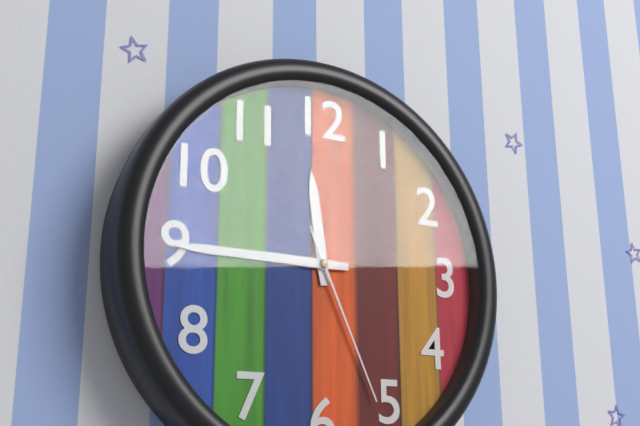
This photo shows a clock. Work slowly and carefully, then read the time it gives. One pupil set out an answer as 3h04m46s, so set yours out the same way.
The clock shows 11h45m26s
